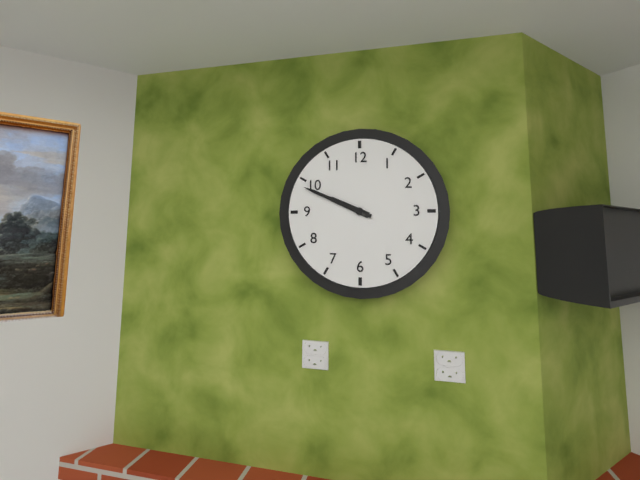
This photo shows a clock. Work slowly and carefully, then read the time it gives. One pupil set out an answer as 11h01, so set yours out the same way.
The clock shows 9h49
